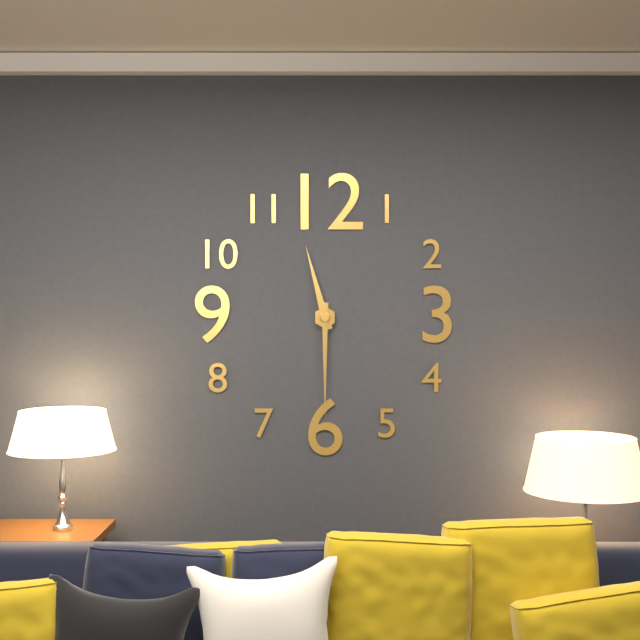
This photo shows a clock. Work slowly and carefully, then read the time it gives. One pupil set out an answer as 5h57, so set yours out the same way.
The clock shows 11h30
